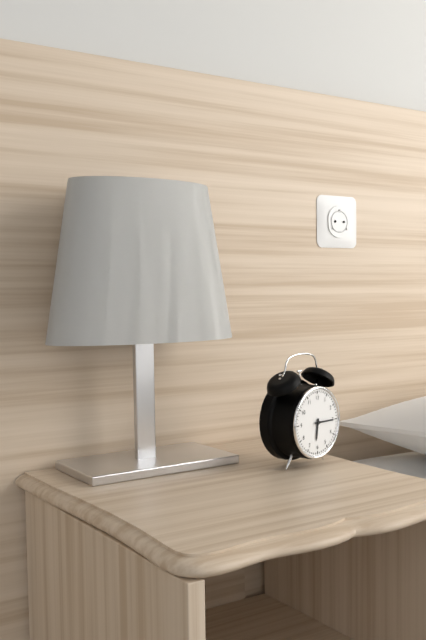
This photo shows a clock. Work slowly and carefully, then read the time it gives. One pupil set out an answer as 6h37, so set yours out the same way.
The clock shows 6h15
